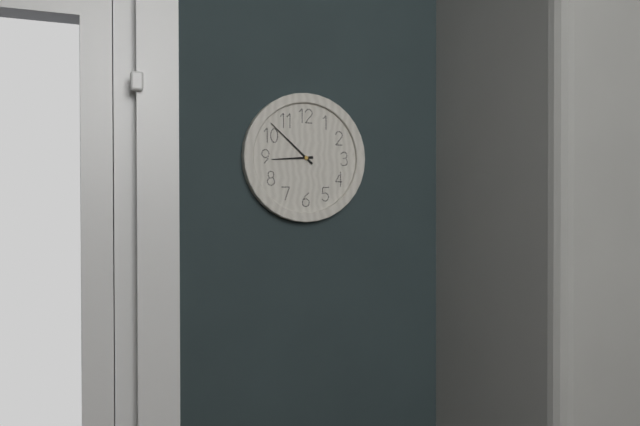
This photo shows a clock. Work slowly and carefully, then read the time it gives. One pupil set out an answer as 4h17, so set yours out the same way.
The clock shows 8h52
